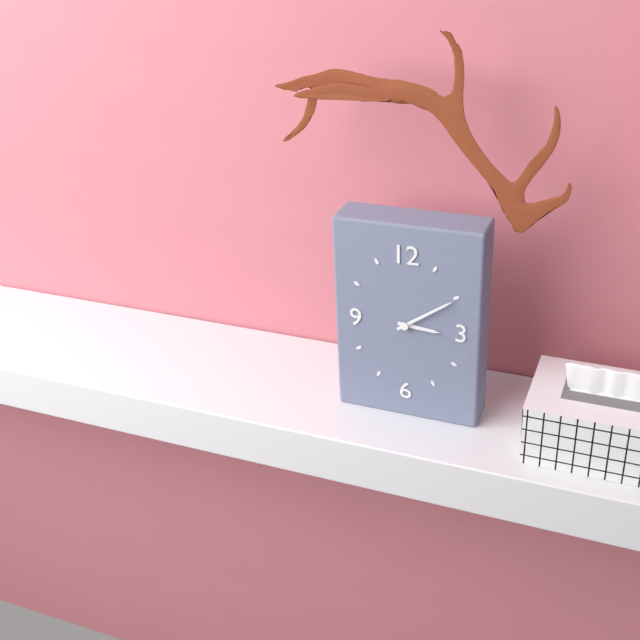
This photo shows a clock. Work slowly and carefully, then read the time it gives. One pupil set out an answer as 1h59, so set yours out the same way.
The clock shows 3h09
